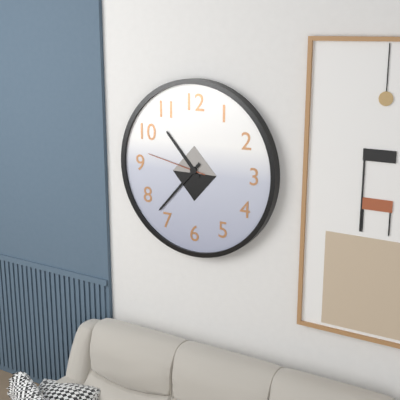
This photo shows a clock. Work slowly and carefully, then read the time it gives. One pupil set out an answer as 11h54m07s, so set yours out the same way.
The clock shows 10h37m47s
